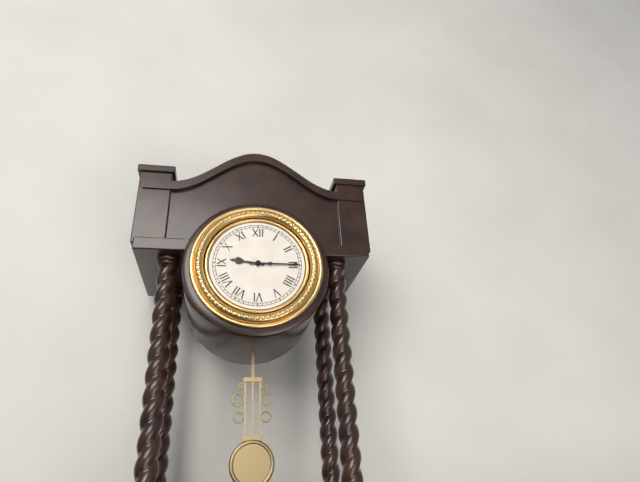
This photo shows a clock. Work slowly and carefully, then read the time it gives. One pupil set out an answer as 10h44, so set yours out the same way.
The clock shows 9h15
